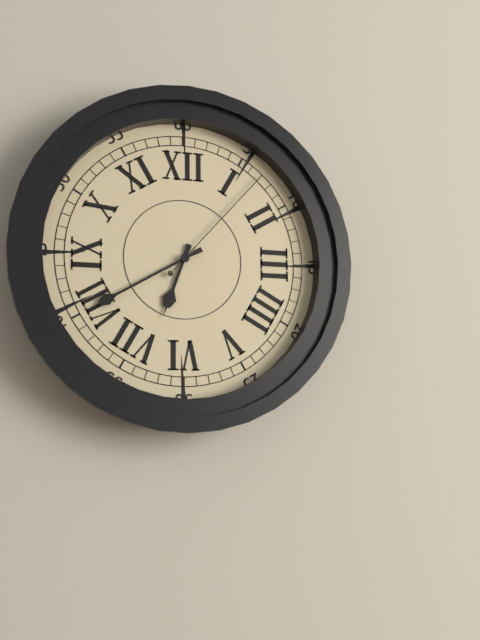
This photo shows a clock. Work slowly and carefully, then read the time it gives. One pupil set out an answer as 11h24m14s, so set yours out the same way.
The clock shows 6h40m07s
